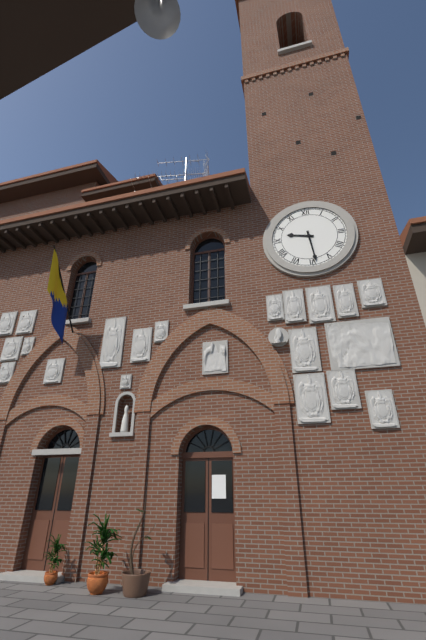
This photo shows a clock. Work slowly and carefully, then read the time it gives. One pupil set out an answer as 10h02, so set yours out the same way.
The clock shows 9h29
